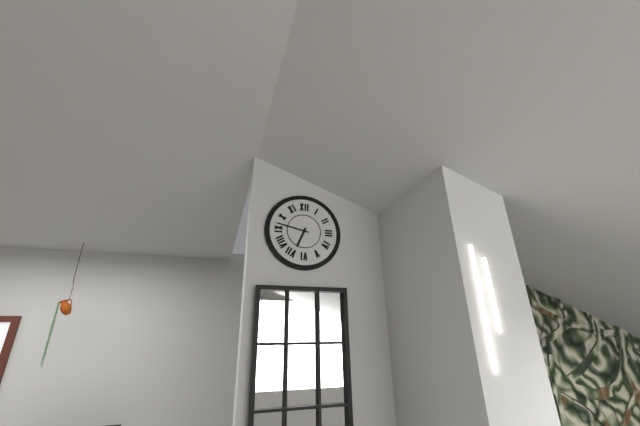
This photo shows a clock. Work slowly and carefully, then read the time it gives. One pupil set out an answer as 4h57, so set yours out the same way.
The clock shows 6h47
